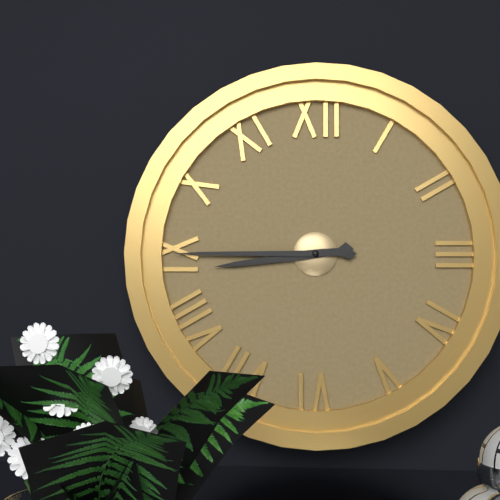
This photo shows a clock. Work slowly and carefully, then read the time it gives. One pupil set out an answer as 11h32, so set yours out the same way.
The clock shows 8h45
